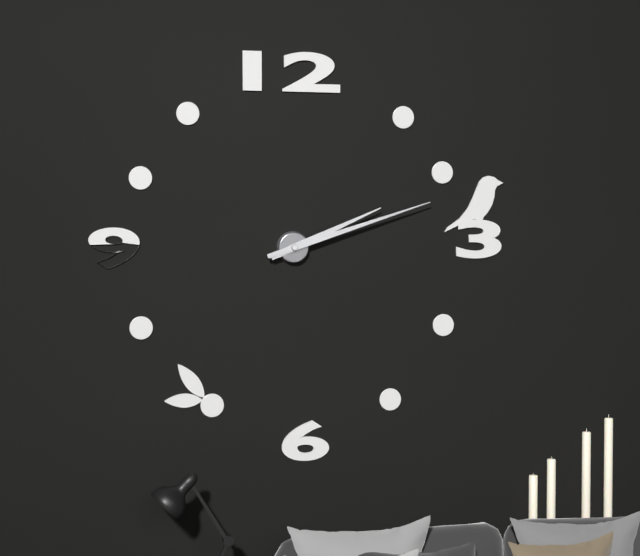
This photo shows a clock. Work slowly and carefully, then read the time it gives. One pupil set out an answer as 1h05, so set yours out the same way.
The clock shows 2h12
